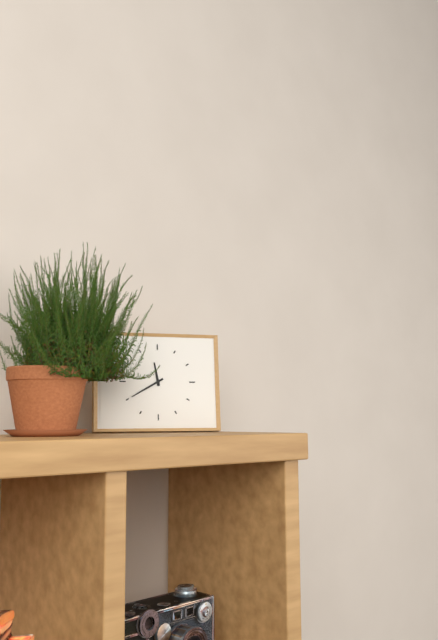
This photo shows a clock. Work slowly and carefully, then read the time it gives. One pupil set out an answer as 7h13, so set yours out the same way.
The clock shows 11h40
